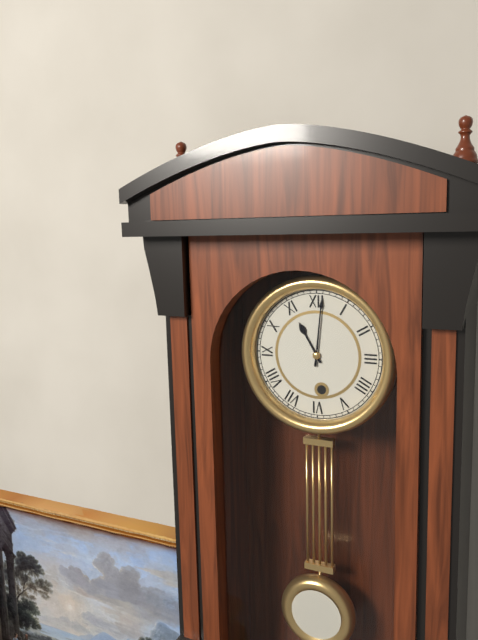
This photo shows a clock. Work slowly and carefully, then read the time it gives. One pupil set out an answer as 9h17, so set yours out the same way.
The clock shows 11h01
